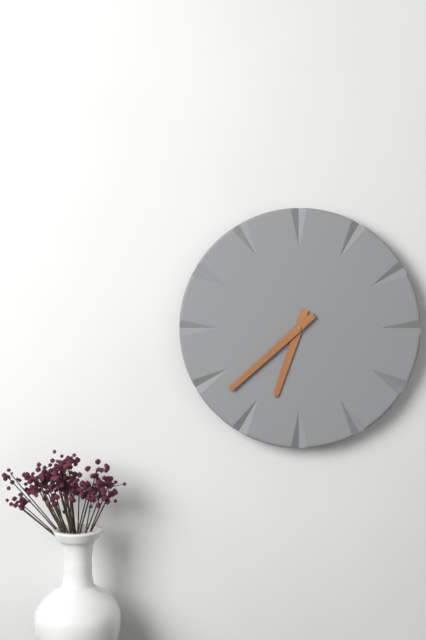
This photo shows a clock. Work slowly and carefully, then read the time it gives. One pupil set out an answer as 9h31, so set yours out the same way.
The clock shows 6h38
